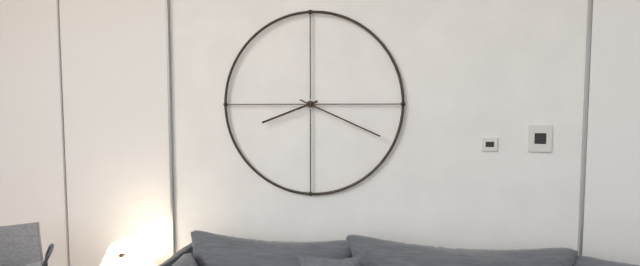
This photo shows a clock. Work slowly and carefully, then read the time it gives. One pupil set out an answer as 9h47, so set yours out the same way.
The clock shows 8h19
